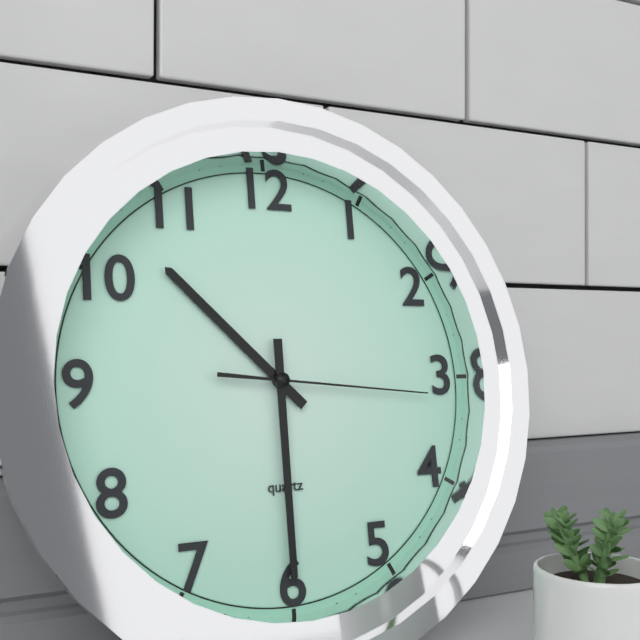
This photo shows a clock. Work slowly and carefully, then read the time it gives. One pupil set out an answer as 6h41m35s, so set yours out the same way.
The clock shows 10h30m16s
